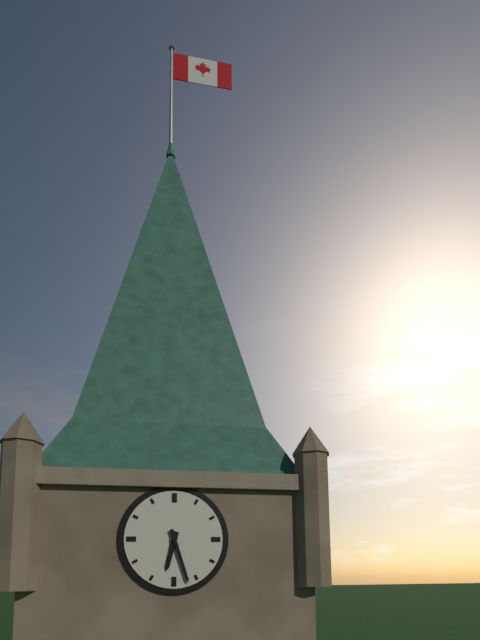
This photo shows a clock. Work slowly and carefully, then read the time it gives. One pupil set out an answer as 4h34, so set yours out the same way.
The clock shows 6h27
